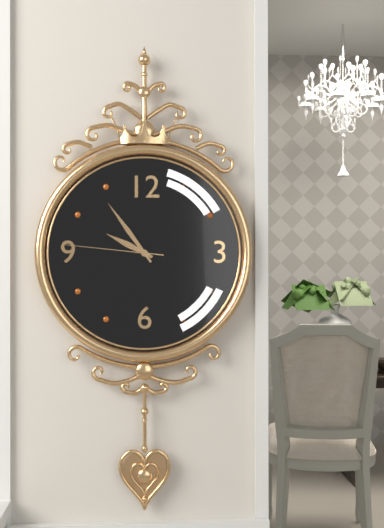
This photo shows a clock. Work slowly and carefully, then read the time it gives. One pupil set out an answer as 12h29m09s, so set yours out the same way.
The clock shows 9h54m46s
